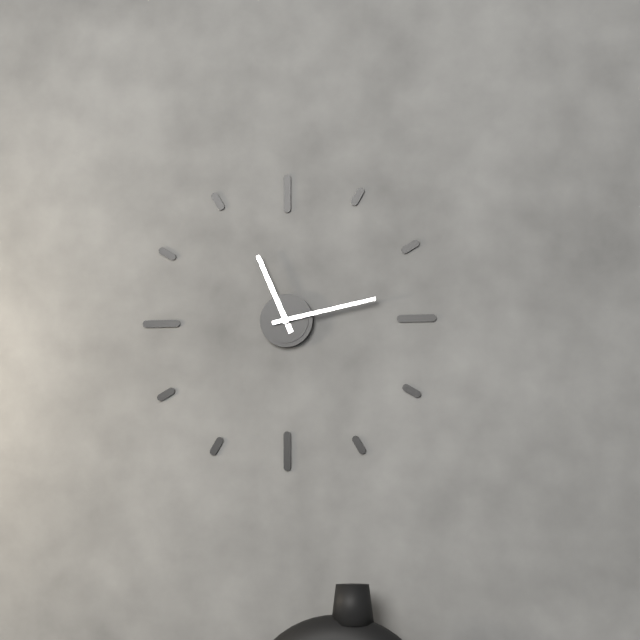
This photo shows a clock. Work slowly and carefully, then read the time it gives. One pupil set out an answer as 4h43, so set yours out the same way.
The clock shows 11h13
